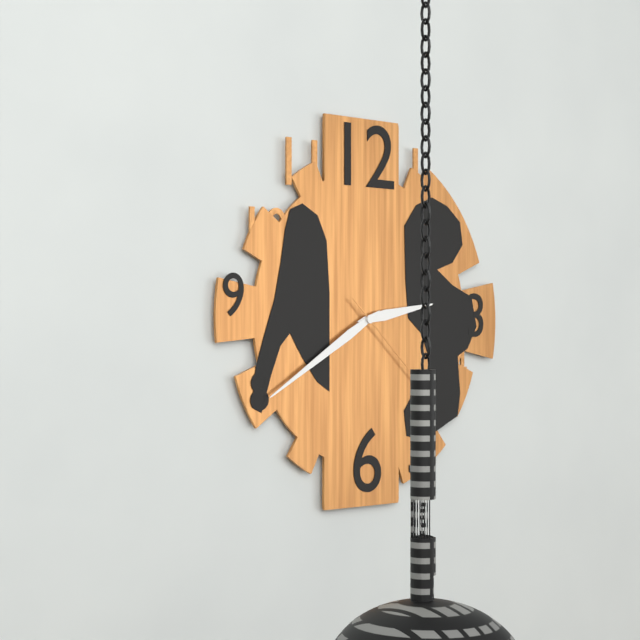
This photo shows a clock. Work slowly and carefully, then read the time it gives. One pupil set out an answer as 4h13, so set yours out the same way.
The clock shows 2h40
